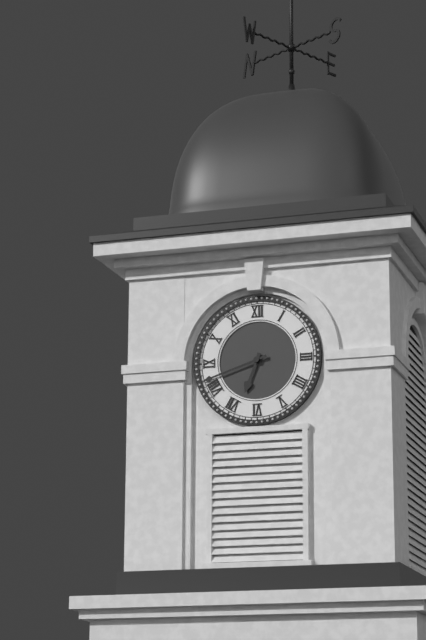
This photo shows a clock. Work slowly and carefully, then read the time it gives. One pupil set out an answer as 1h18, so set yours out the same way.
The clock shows 6h42
